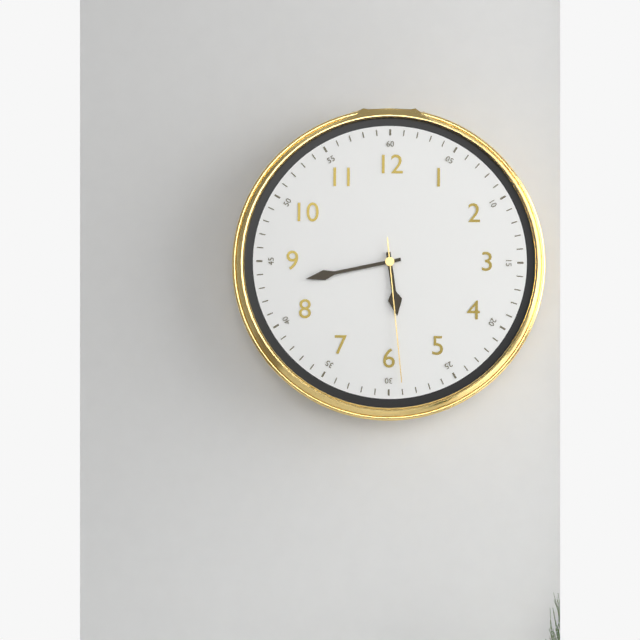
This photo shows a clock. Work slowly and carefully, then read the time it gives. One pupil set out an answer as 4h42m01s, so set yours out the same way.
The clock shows 5h43m29s
